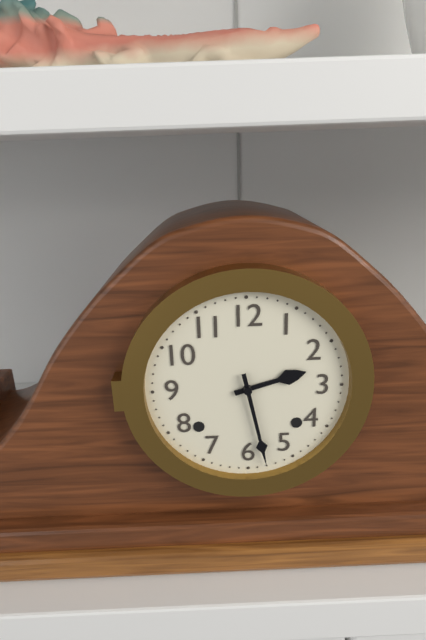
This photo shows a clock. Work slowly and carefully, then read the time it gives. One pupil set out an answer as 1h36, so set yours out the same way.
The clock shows 2h28
